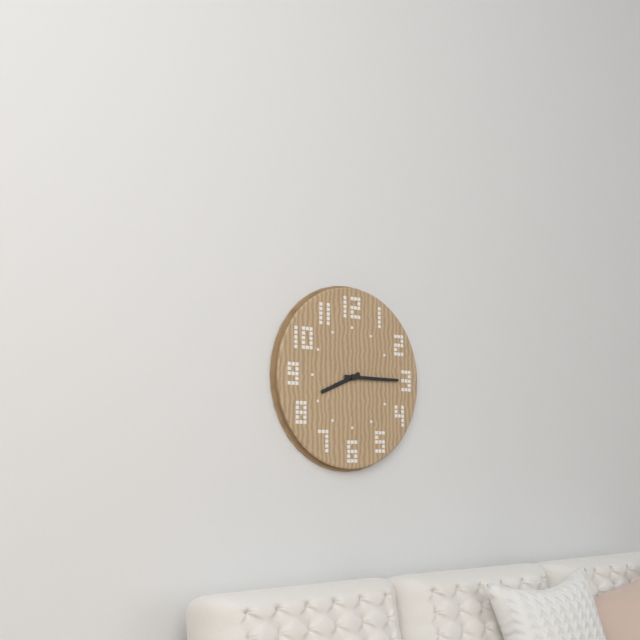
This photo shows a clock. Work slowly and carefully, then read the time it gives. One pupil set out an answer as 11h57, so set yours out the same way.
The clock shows 8h15
